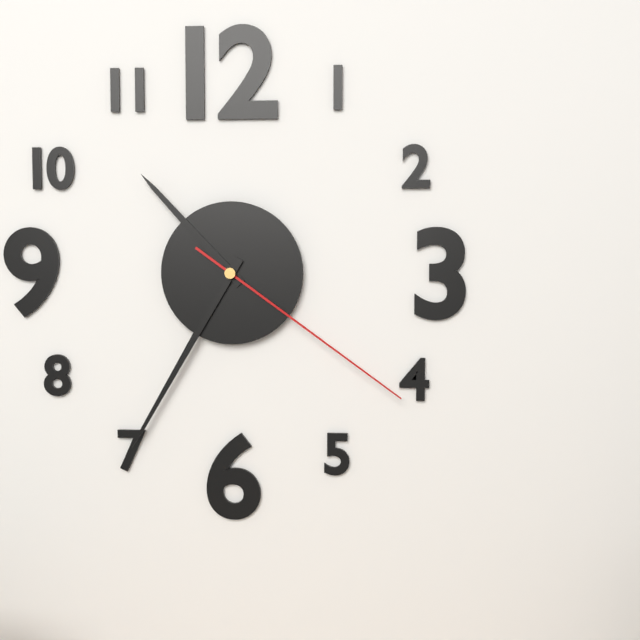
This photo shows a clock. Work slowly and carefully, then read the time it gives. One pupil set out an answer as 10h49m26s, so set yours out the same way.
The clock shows 10h35m21s
